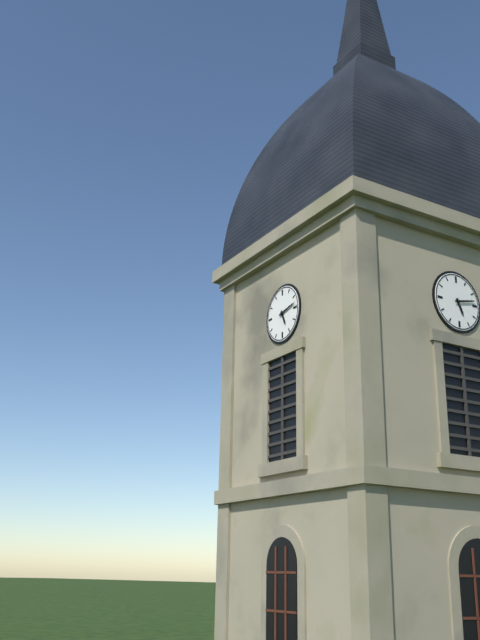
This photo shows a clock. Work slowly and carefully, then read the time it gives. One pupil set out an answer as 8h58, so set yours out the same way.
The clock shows 5h13
